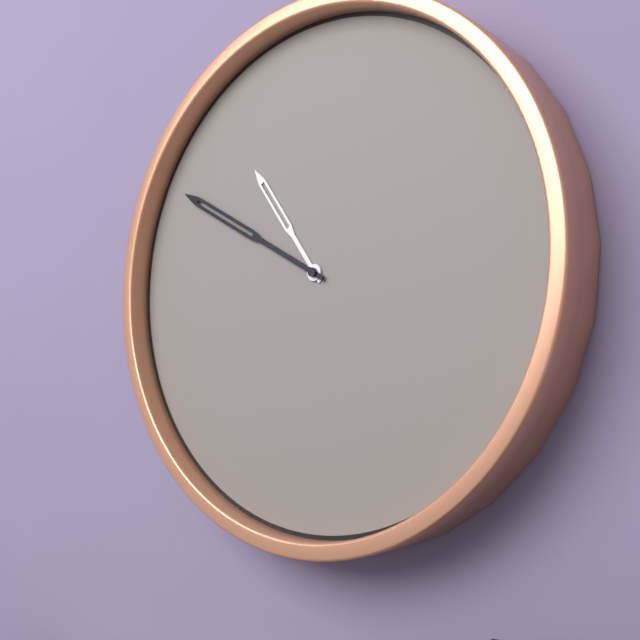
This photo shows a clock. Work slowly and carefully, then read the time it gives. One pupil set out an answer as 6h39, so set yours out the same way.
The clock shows 10h50
